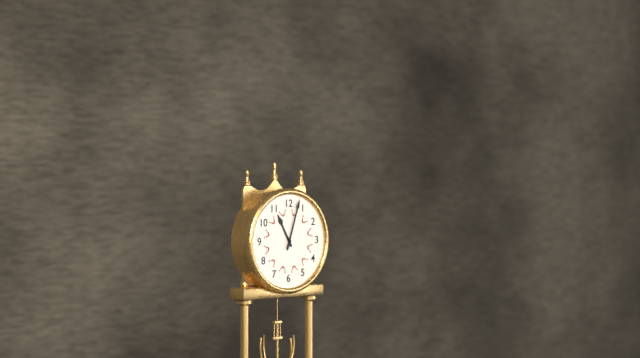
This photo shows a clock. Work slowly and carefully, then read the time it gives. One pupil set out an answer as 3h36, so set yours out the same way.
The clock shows 11h03
